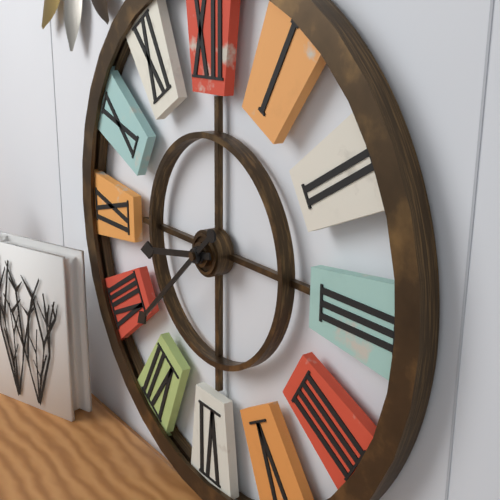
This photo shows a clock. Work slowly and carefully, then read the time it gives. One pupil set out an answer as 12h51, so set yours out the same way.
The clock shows 8h38
